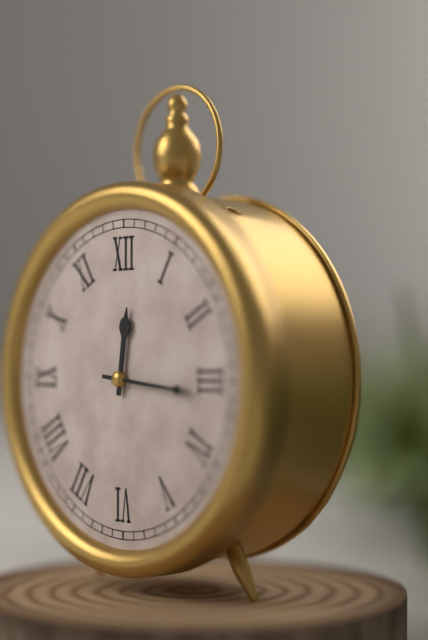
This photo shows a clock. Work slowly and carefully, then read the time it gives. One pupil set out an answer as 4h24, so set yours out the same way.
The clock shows 12h16
